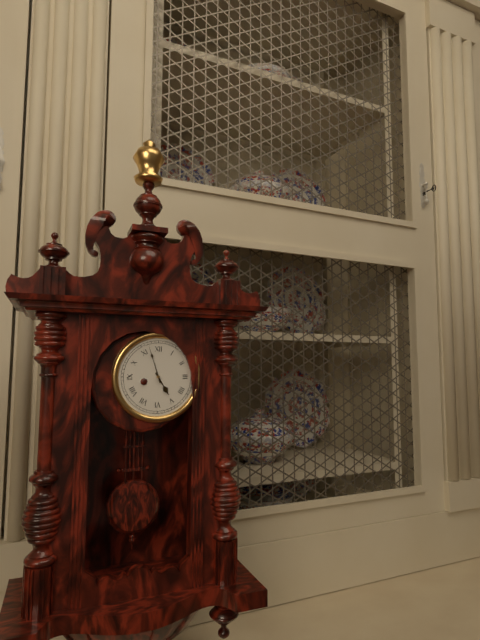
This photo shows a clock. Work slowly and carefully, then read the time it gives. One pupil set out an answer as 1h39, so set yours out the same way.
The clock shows 4h57
